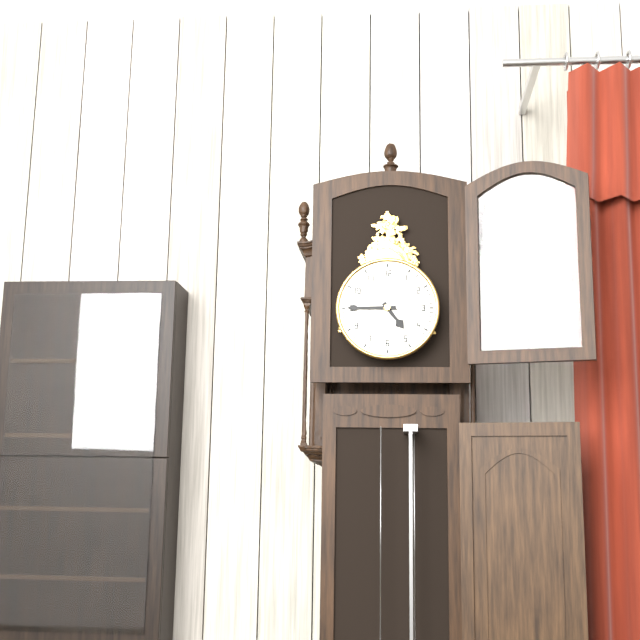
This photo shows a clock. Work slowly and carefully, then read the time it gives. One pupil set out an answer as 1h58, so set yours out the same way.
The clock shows 4h45
